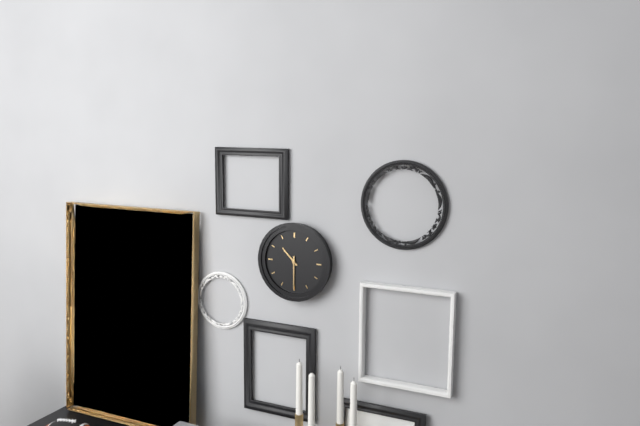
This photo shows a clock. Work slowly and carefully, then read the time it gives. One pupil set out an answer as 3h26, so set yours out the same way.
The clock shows 10h30
